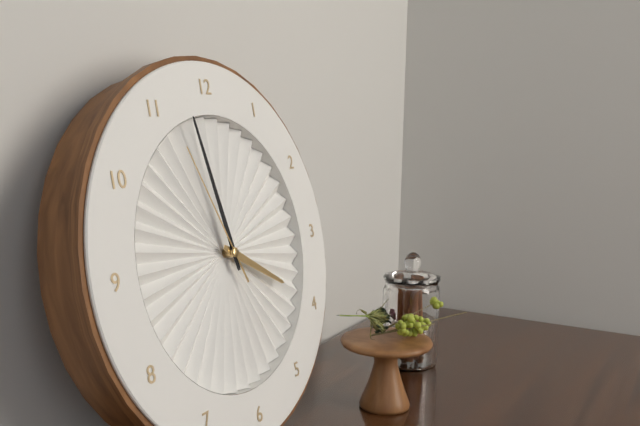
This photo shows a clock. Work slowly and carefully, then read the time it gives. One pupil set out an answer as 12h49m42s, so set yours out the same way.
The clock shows 3h58m56s
